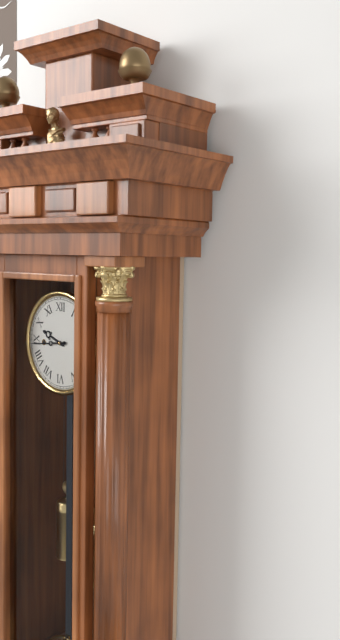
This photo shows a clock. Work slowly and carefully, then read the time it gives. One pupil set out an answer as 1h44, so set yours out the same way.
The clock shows 9h44
